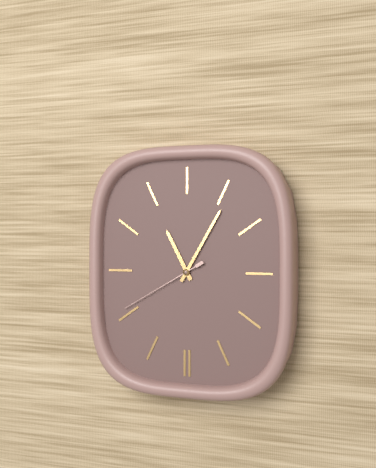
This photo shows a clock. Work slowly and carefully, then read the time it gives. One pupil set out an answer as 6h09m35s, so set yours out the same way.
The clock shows 11h05m40s
